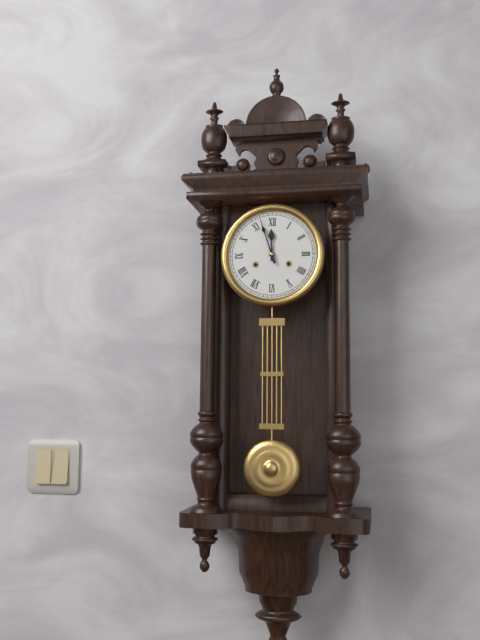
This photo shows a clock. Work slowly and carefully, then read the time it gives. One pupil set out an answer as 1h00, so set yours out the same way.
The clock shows 11h57
